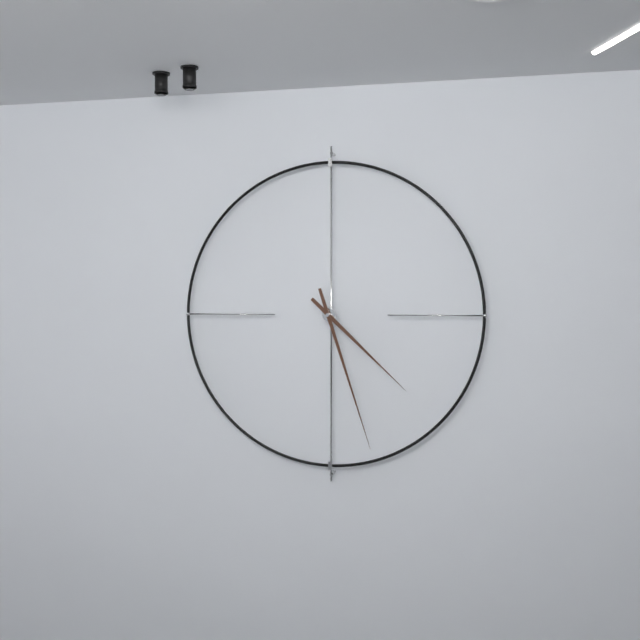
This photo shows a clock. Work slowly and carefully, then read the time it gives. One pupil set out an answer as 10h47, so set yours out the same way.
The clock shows 4h27
